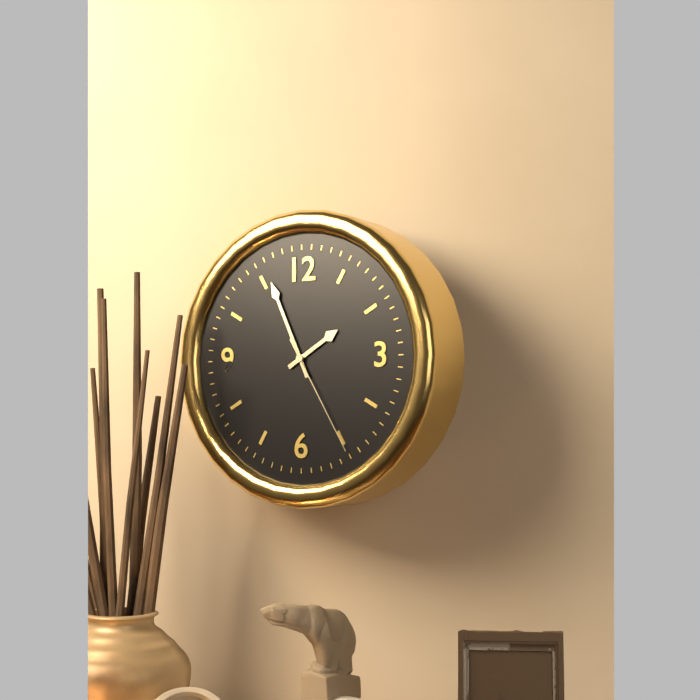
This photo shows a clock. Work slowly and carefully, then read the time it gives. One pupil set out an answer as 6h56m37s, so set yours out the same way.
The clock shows 1h56m25s
